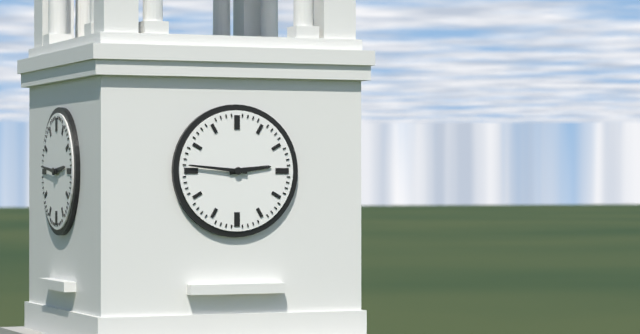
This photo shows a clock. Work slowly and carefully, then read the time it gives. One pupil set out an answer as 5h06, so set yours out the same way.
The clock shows 2h46
